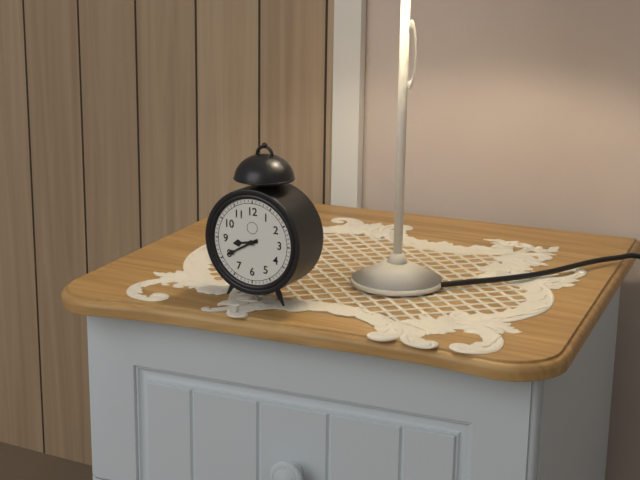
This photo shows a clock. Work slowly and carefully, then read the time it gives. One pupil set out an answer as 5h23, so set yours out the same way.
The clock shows 8h40
